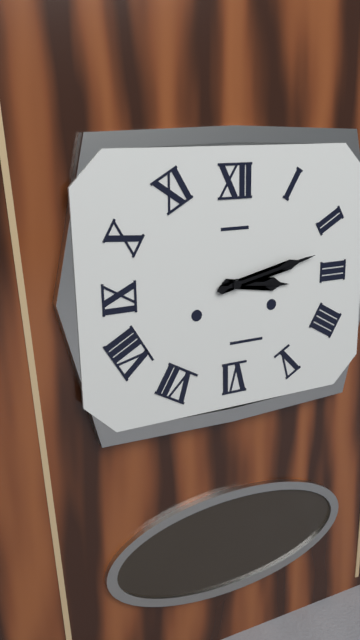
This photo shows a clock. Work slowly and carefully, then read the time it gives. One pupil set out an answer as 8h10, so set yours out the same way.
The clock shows 3h13
